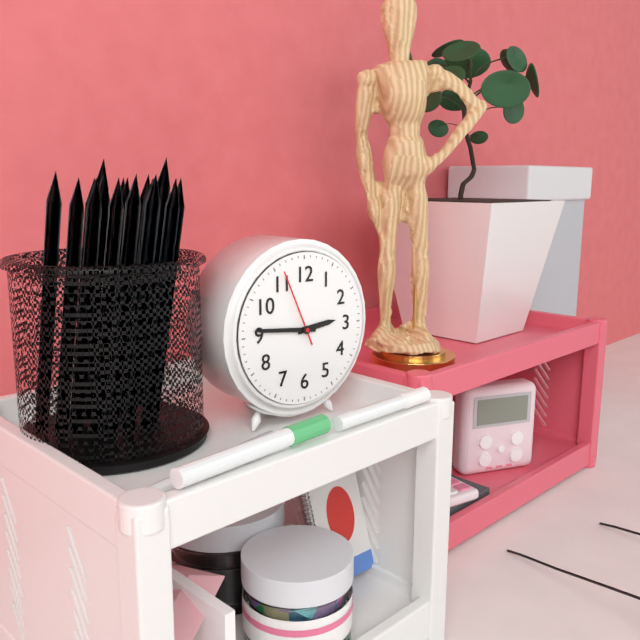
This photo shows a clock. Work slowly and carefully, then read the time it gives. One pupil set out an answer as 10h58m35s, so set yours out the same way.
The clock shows 2h46m56s
